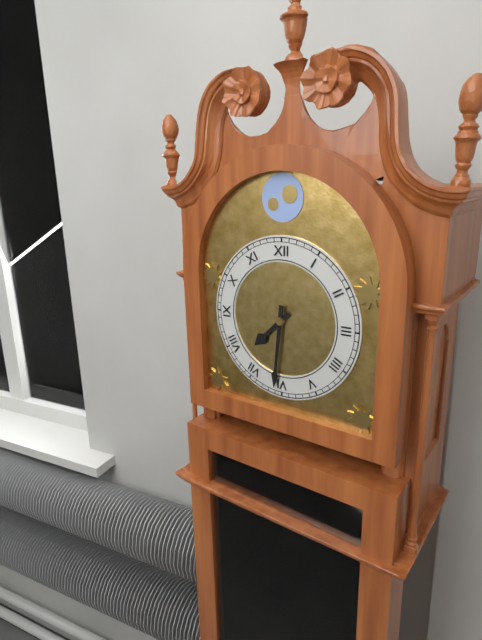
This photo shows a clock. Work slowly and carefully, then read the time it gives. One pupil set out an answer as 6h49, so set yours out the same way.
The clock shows 7h31
